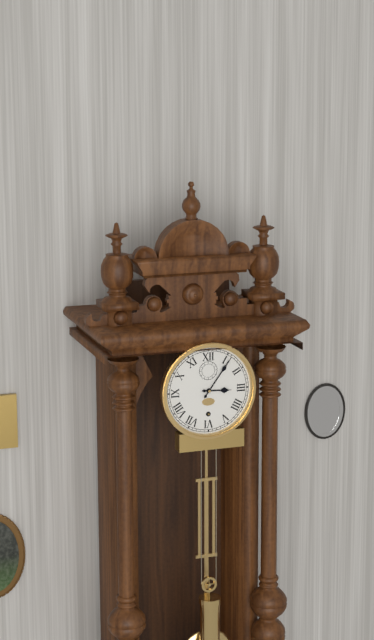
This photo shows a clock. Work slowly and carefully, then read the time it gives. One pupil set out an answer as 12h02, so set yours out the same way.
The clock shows 3h06
